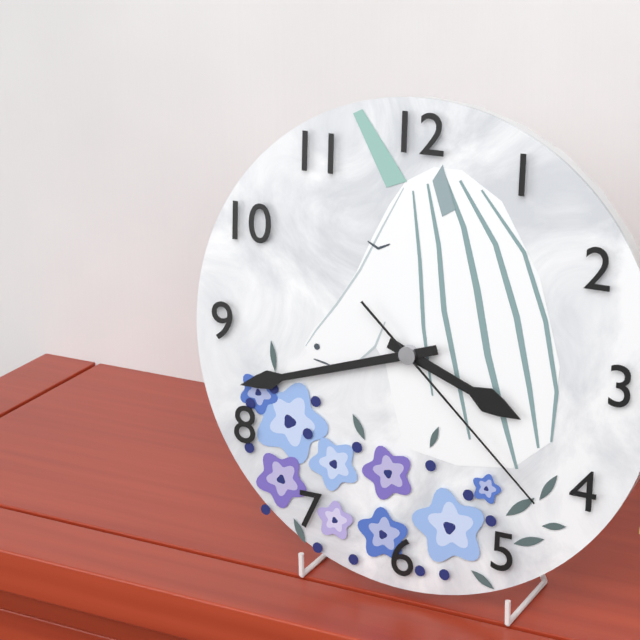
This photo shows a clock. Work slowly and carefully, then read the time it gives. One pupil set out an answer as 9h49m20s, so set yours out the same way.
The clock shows 3h42m22s
